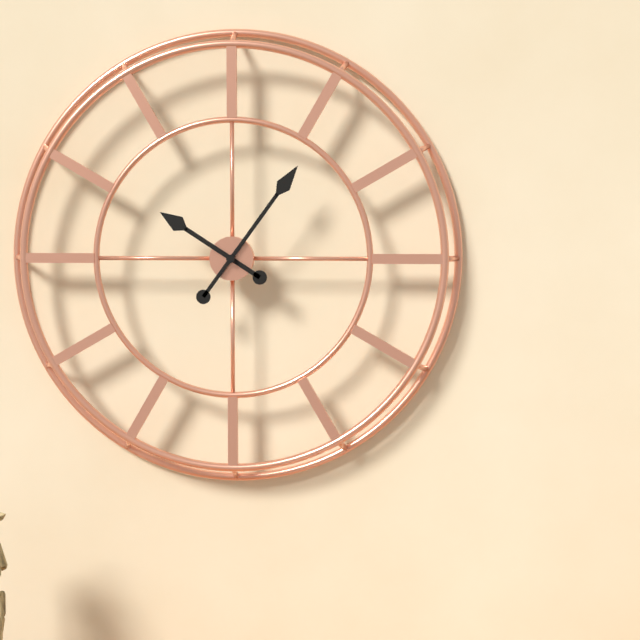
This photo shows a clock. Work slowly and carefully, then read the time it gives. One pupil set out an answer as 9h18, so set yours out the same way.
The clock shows 10h06
